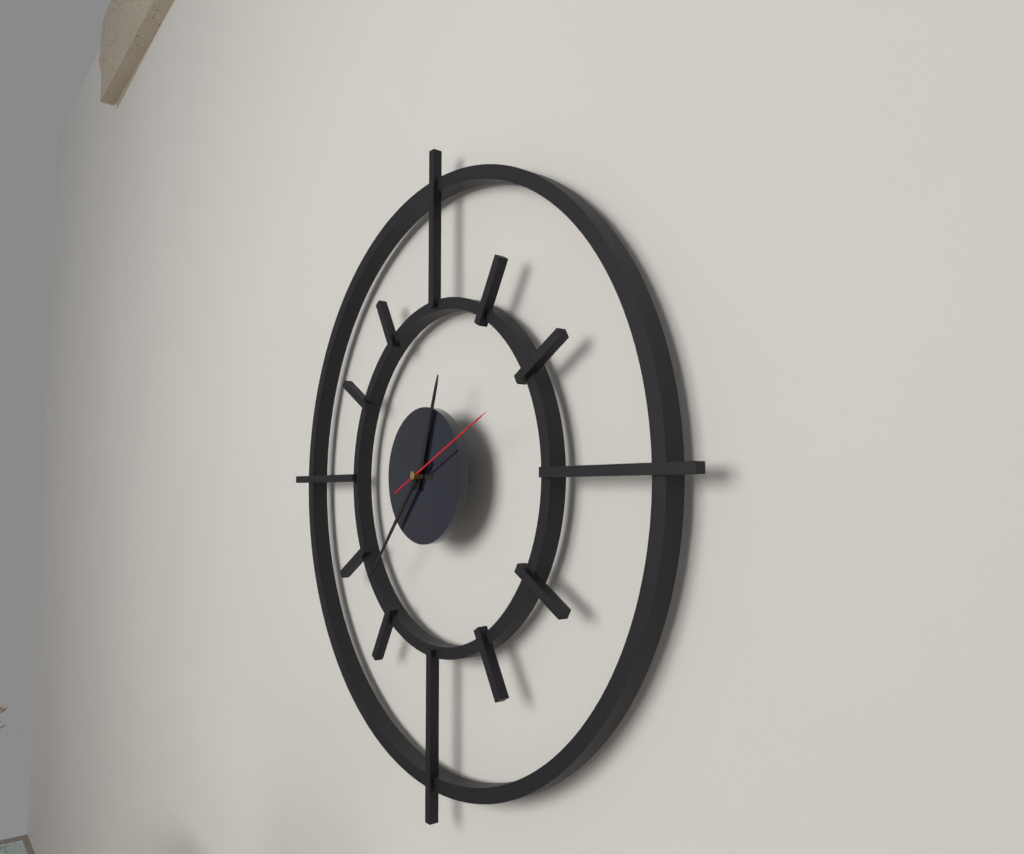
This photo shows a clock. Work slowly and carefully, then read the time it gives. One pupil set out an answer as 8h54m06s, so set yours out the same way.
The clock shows 12h37m11s
